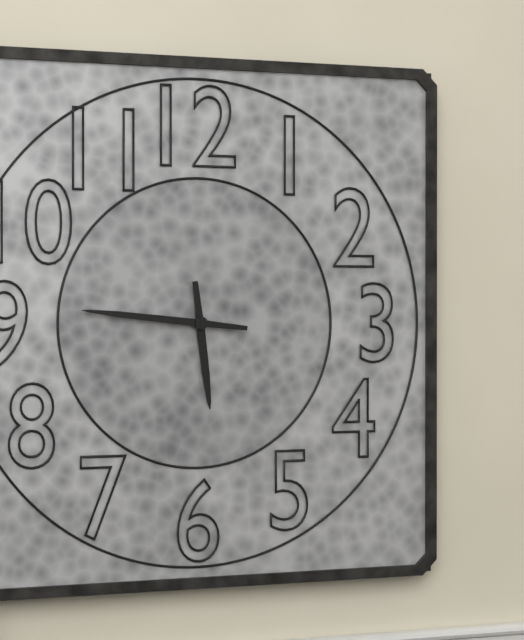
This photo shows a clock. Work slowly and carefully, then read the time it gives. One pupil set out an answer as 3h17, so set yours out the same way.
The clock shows 5h46
